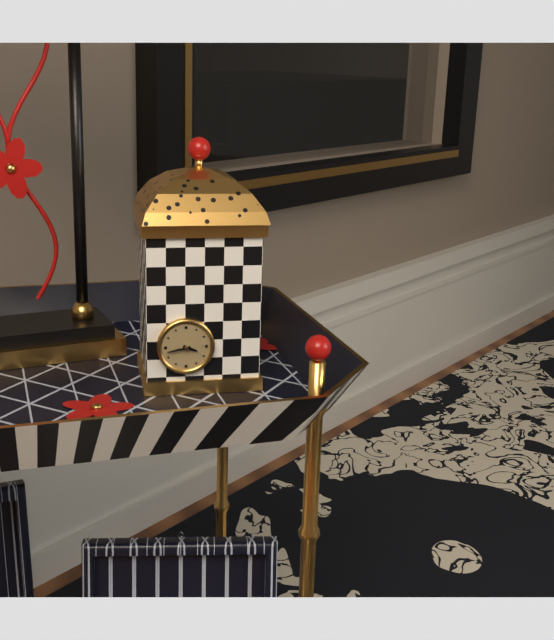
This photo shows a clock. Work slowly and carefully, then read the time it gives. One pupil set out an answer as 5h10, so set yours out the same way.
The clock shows 3h43
